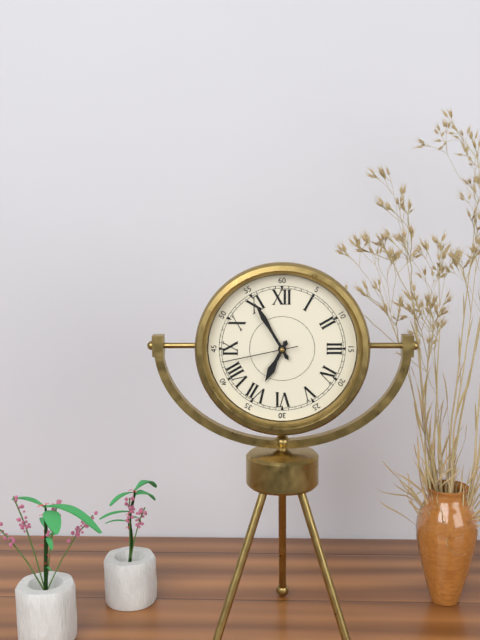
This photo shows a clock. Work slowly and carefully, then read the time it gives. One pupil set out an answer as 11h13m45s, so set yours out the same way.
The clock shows 6h55m43s
